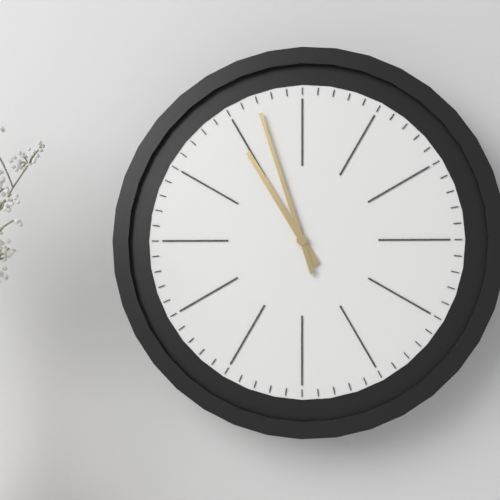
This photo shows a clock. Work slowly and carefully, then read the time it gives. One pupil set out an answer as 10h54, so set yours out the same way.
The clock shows 10h57
